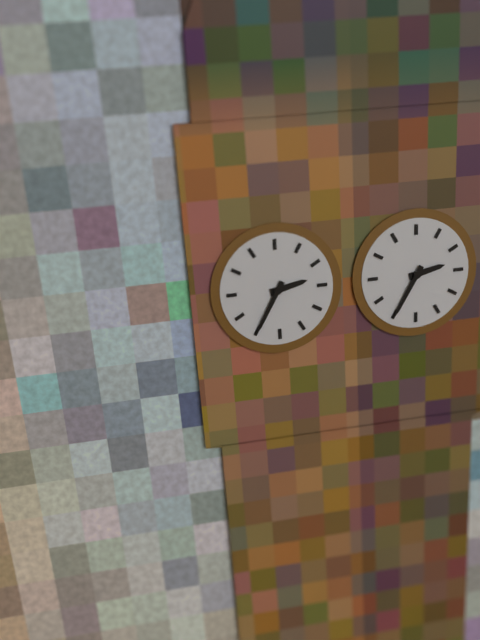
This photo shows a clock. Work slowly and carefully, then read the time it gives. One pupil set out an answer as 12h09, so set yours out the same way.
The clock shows 2h35
